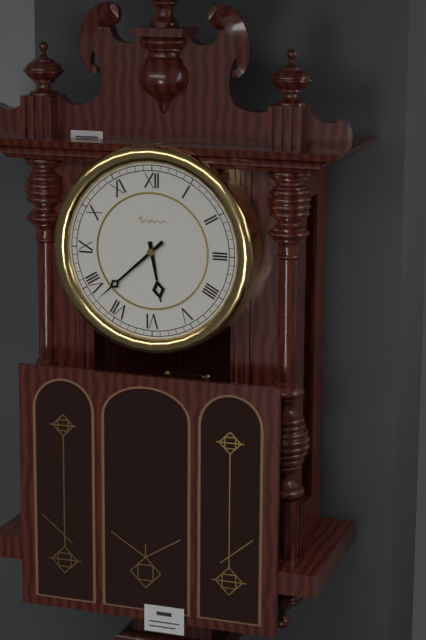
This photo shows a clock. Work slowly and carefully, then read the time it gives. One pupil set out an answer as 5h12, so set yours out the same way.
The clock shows 5h38
